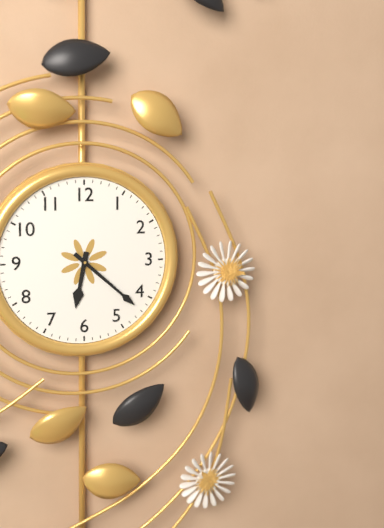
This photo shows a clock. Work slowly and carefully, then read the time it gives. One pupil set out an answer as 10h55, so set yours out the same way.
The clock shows 6h22
